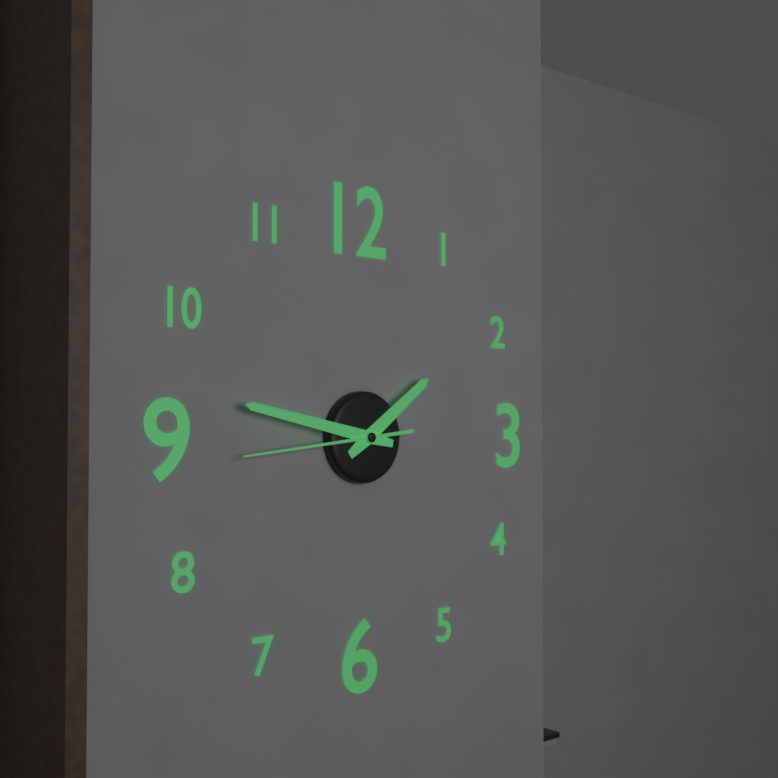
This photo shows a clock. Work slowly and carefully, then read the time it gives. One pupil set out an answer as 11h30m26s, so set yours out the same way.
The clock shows 1h47m44s
